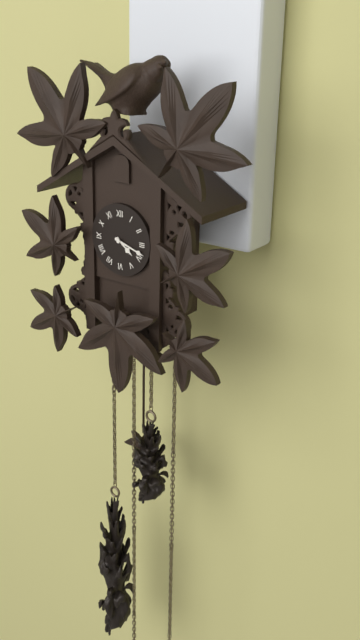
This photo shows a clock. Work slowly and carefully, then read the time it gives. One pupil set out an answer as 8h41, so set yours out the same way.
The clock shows 4h18
